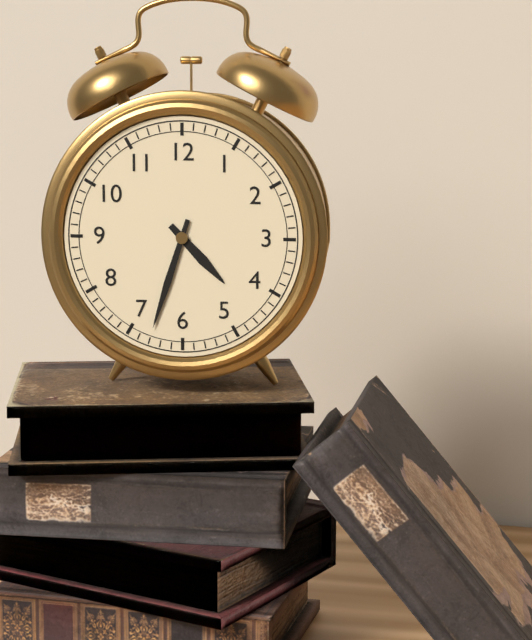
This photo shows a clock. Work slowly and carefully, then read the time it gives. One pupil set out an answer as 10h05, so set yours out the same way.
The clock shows 4h33
